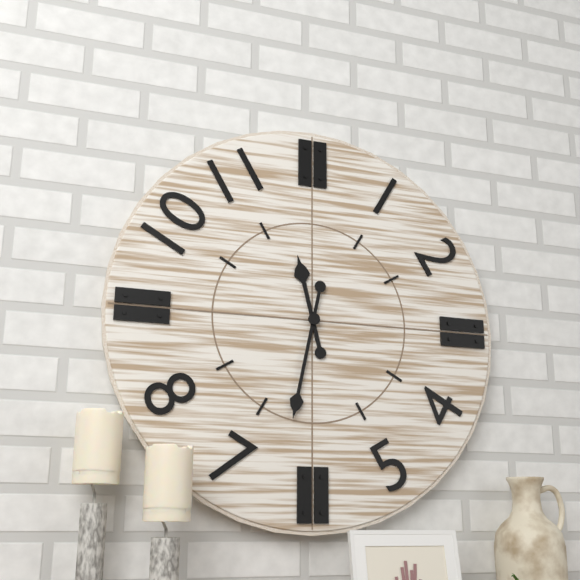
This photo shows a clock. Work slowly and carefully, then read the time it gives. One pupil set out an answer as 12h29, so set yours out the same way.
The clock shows 11h32
